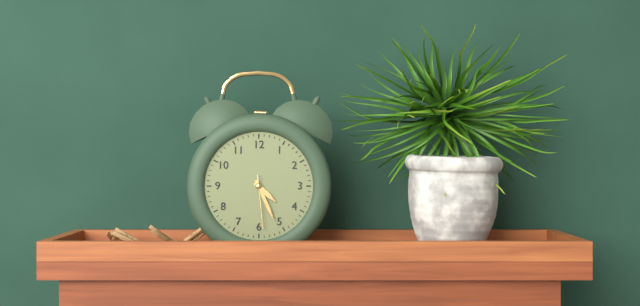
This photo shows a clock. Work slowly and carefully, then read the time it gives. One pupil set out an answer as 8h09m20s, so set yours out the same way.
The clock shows 4h26m29s
